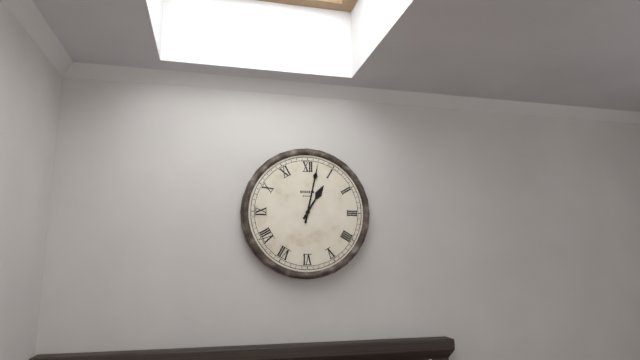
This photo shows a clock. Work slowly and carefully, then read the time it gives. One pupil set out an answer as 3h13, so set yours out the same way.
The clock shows 1h02
